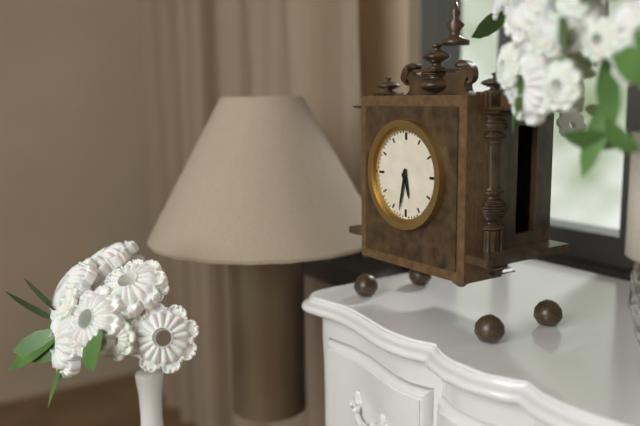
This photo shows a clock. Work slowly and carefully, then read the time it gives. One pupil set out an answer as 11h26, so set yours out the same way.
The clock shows 5h32
